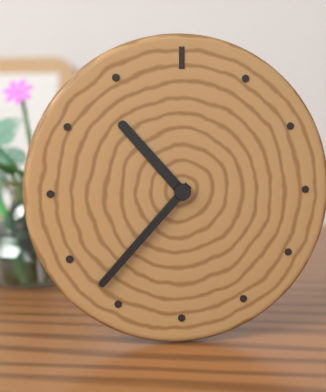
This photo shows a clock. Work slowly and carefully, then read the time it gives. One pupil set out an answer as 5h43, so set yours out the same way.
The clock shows 10h37
